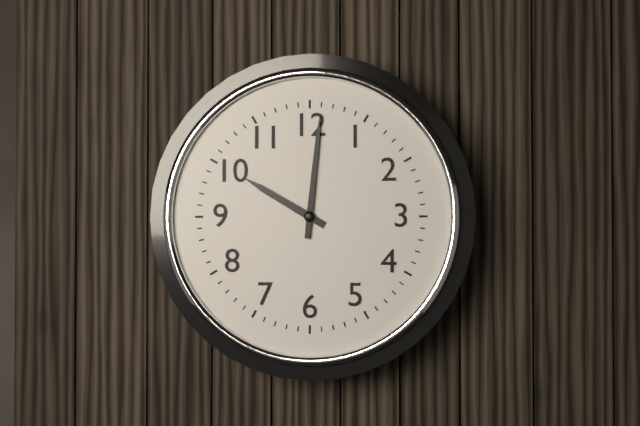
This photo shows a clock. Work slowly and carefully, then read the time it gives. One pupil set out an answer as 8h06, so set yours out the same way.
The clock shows 10h01
